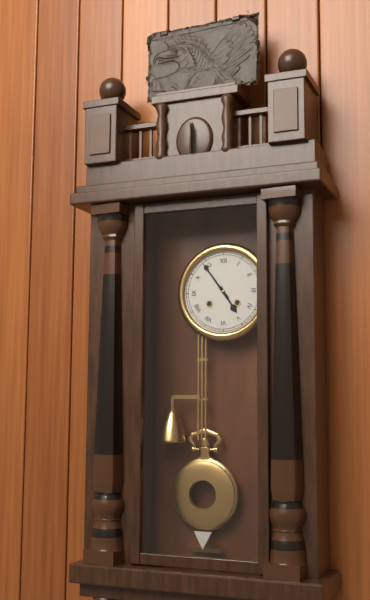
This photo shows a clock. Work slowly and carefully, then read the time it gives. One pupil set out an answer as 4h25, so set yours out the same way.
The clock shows 4h54
